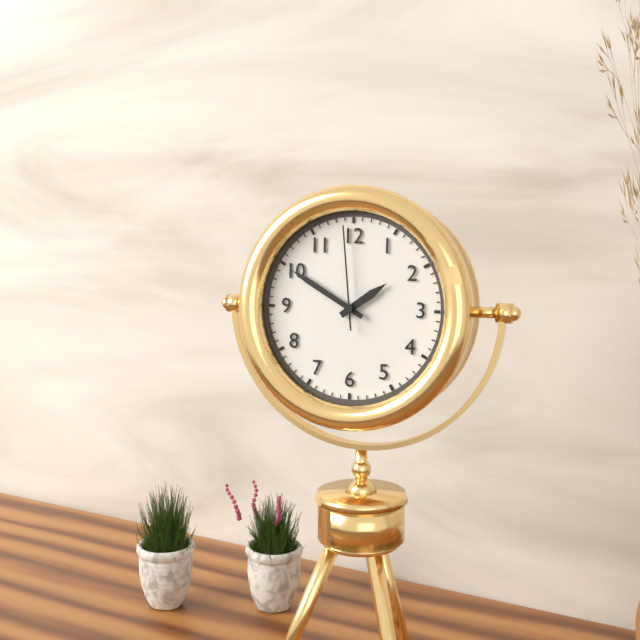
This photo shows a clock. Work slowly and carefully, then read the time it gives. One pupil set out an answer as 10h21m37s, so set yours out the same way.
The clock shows 1h50m59s
